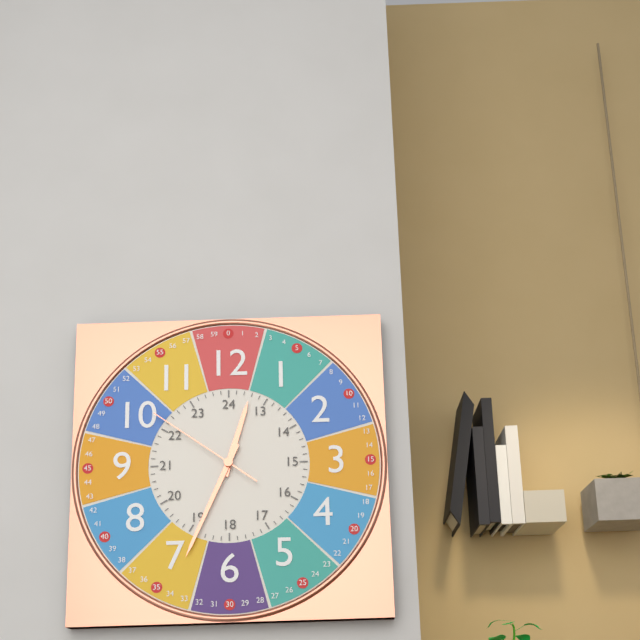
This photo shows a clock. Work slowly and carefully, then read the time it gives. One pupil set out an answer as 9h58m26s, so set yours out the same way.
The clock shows 12h34m51s
